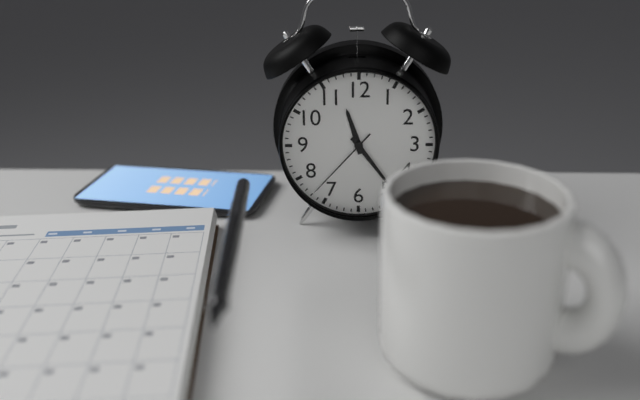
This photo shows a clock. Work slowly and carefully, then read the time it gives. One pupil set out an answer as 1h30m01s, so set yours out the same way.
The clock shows 11h24m37s
